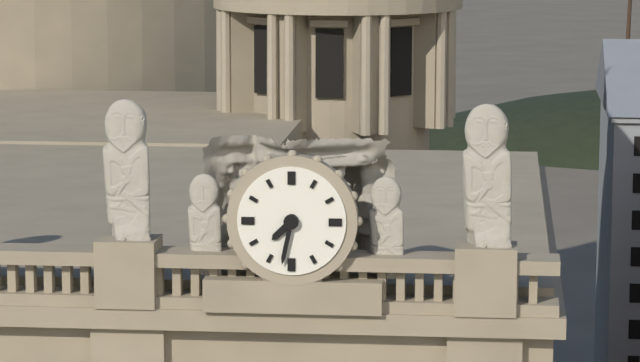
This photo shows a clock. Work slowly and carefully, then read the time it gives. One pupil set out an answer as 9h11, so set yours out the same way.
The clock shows 7h32
